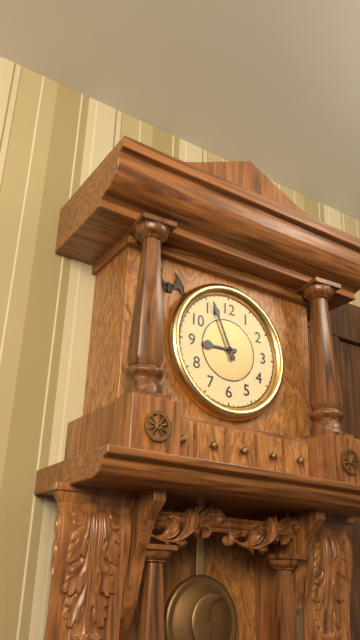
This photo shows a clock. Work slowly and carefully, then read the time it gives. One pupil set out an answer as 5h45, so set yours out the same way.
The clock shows 8h56
